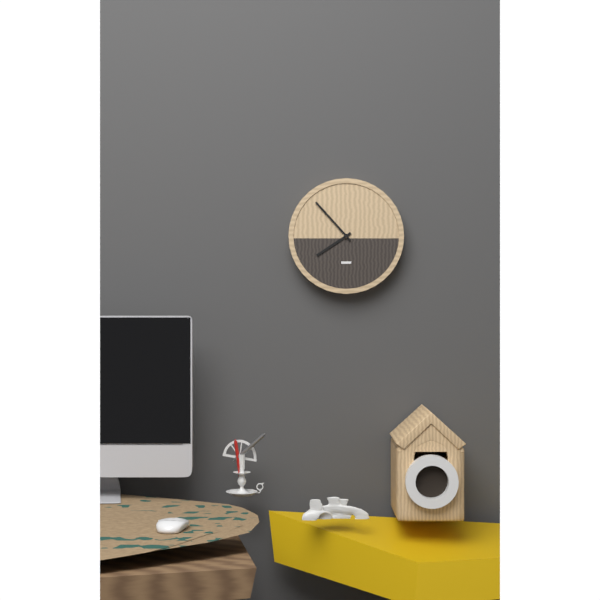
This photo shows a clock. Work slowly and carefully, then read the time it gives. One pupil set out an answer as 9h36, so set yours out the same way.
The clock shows 7h53
